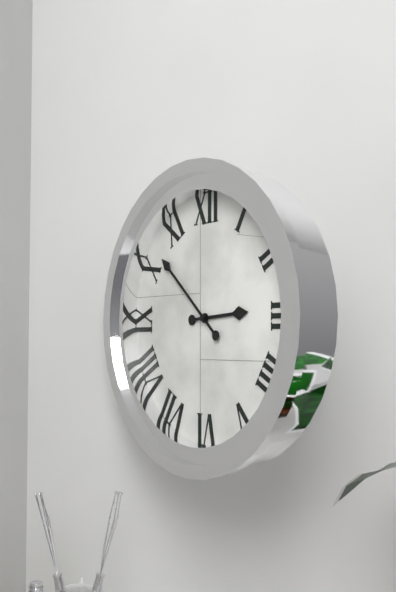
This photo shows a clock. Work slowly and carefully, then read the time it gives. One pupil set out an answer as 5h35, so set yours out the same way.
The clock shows 2h52
